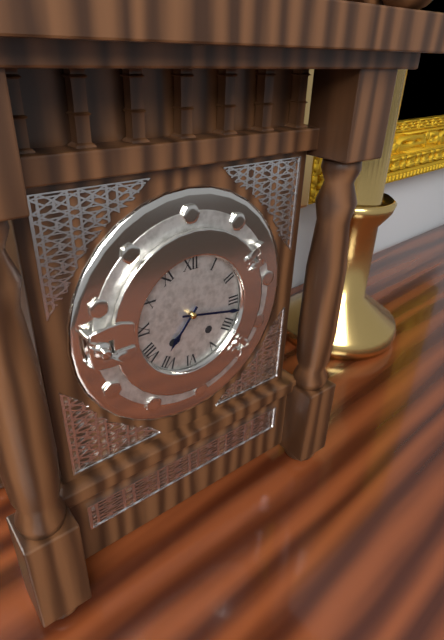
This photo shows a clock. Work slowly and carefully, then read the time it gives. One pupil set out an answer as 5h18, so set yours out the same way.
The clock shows 7h17
